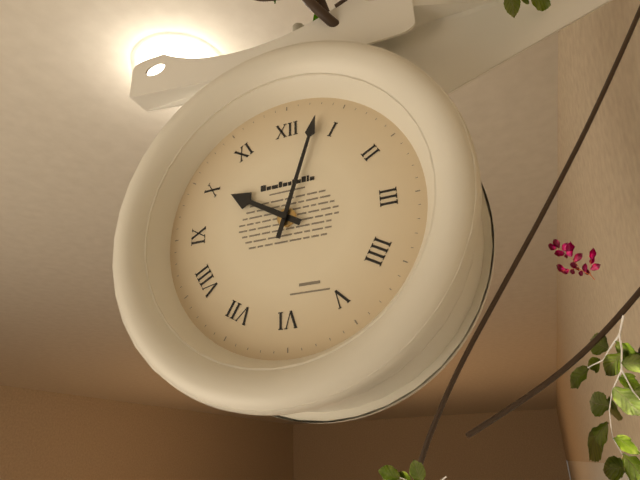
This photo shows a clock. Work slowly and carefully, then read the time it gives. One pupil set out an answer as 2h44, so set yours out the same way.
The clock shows 10h03
